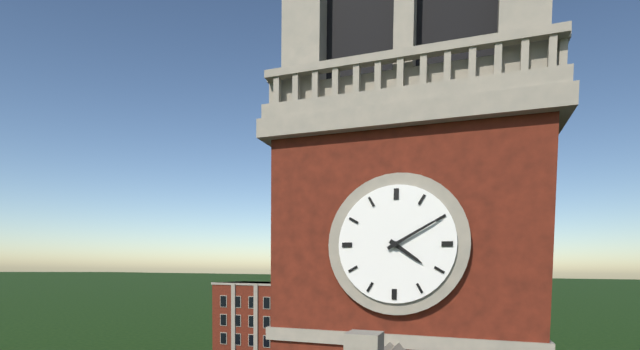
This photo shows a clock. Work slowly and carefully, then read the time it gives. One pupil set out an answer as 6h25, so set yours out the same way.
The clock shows 4h10
